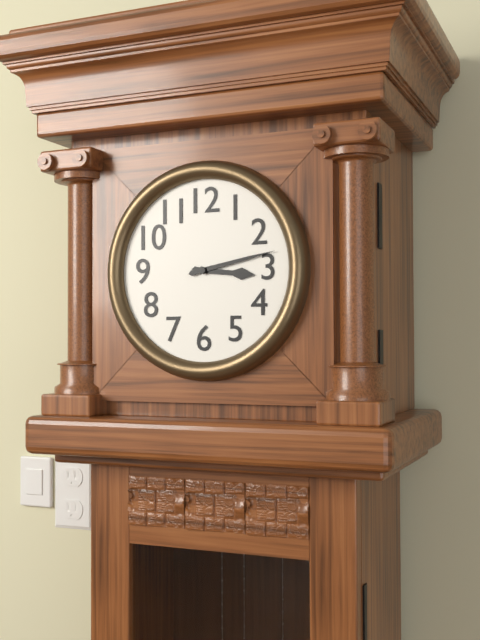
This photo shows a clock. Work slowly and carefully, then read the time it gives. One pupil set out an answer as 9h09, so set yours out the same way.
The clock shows 3h13
